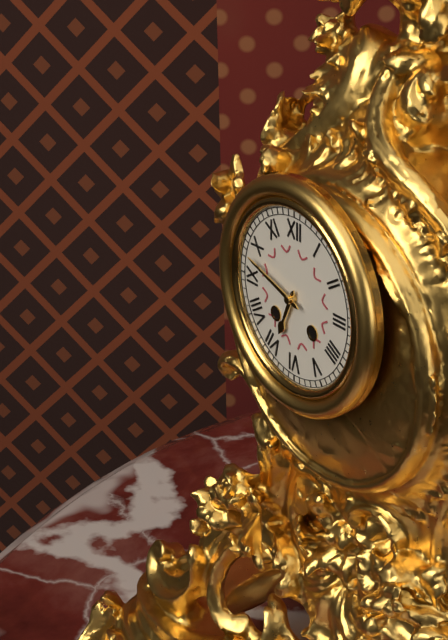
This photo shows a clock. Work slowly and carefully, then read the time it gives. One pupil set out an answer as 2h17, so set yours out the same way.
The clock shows 6h48
